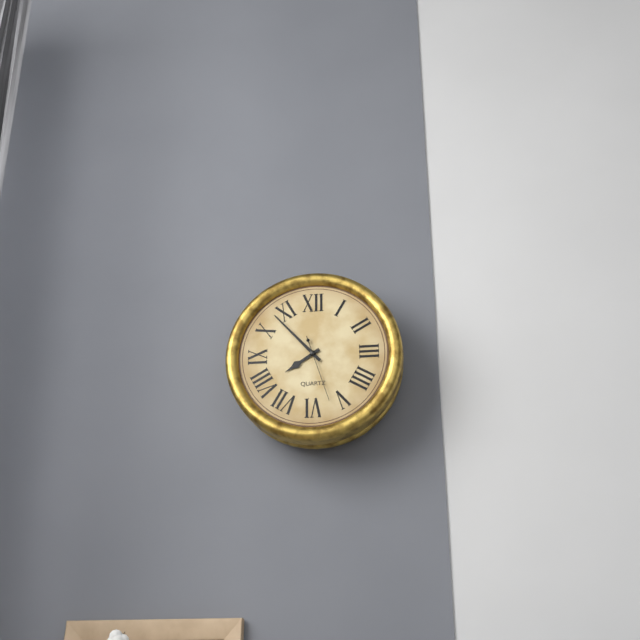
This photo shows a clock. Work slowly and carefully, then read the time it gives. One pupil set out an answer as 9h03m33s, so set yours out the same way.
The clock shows 7h53m27s
